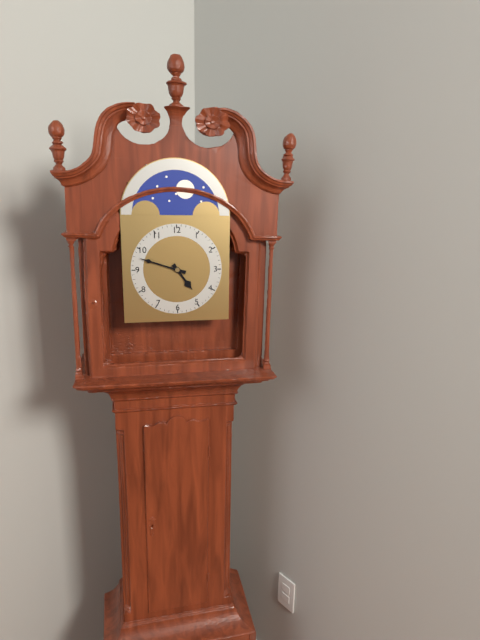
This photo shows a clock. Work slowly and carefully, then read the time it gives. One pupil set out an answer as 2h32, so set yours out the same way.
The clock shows 4h48
